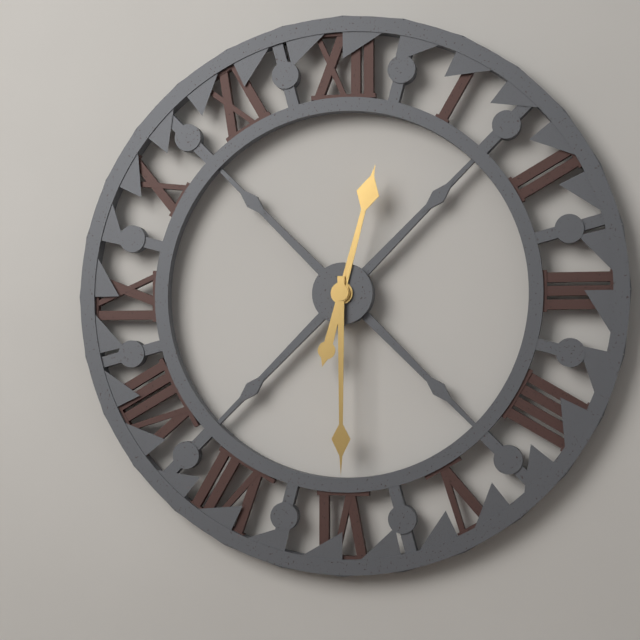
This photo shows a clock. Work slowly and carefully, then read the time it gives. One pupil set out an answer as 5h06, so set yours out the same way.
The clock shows 12h30
